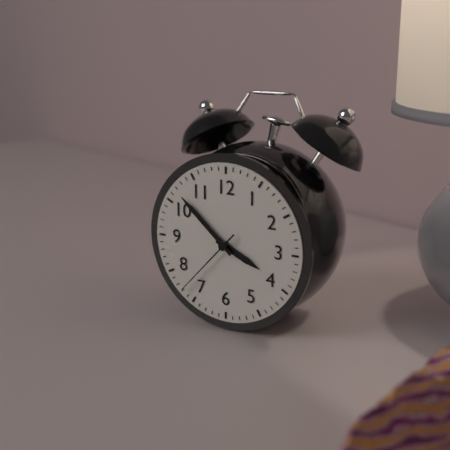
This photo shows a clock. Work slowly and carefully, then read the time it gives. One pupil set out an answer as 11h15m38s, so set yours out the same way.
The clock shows 3h52m37s
